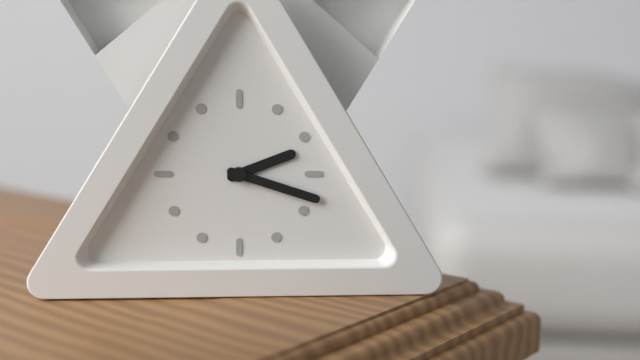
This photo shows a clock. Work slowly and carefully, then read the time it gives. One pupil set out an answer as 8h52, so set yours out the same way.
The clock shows 2h18
